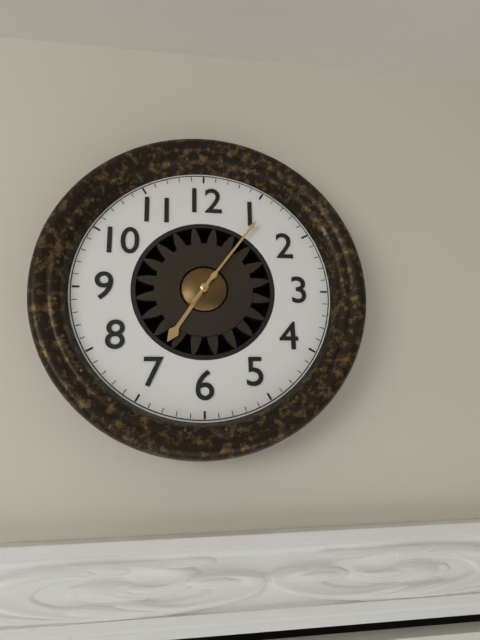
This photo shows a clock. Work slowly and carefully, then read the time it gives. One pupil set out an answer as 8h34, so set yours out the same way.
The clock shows 7h06
